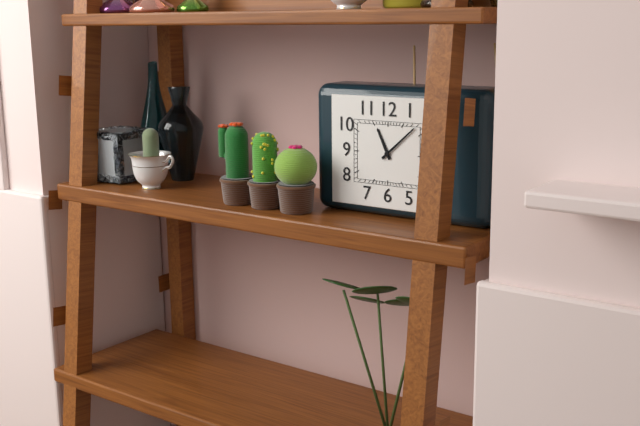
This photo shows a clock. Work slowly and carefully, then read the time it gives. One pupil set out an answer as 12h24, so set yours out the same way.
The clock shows 11h08
